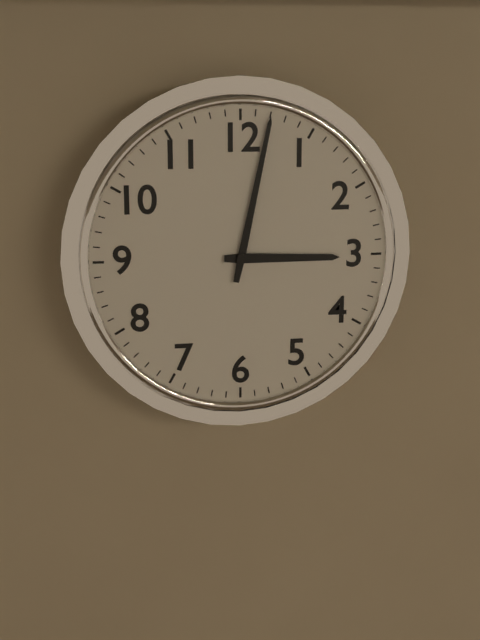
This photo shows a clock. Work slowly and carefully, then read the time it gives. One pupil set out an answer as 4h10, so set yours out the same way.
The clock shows 3h02
